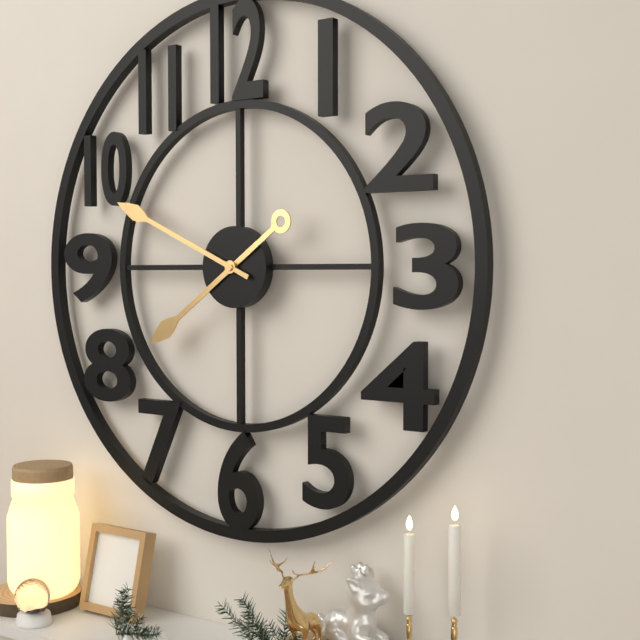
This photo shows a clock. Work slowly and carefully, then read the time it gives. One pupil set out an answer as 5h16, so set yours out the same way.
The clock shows 7h49
